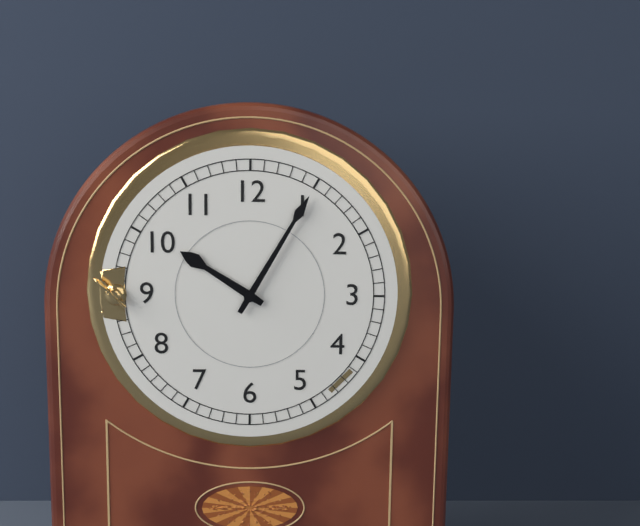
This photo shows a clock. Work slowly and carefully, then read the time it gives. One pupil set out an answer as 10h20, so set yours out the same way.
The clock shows 10h05
